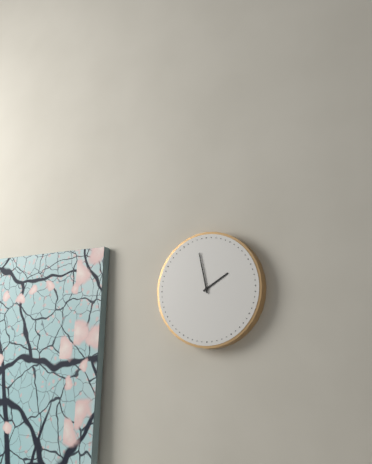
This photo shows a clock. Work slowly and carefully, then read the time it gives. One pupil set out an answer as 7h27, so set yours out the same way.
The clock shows 1h58
